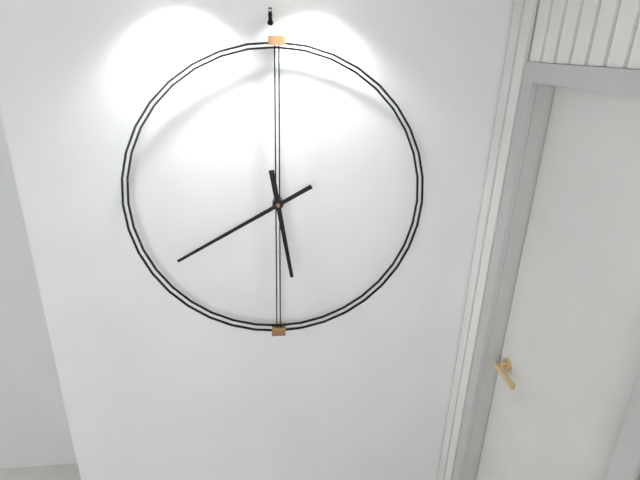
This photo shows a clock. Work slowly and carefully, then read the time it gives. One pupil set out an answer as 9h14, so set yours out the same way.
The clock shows 5h40
